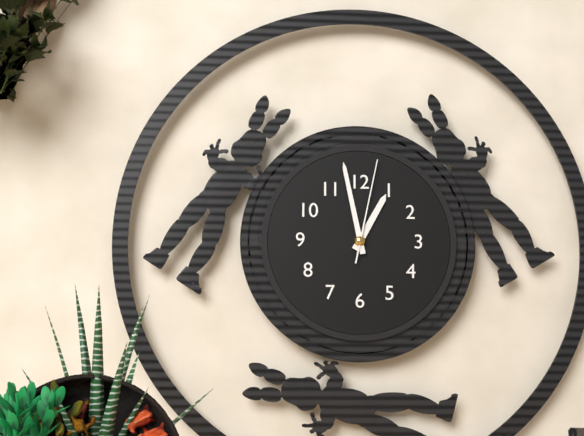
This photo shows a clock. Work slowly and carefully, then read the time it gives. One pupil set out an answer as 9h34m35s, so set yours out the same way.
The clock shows 12h58m02s
